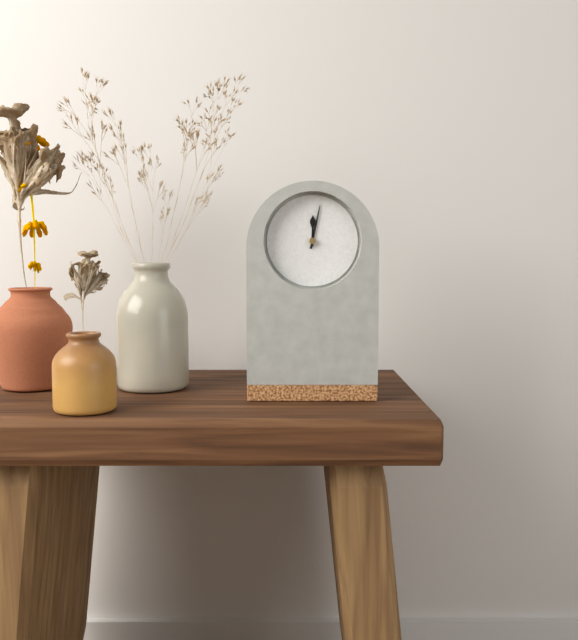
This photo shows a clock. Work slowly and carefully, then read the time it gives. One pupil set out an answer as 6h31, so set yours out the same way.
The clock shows 12h02
